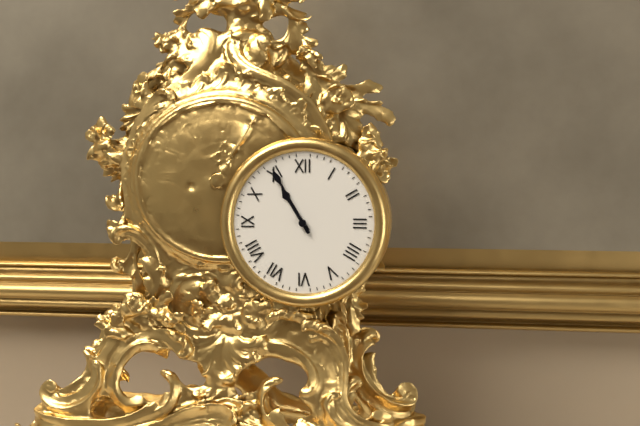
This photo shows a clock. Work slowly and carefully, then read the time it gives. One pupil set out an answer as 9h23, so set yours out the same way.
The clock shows 10h55
